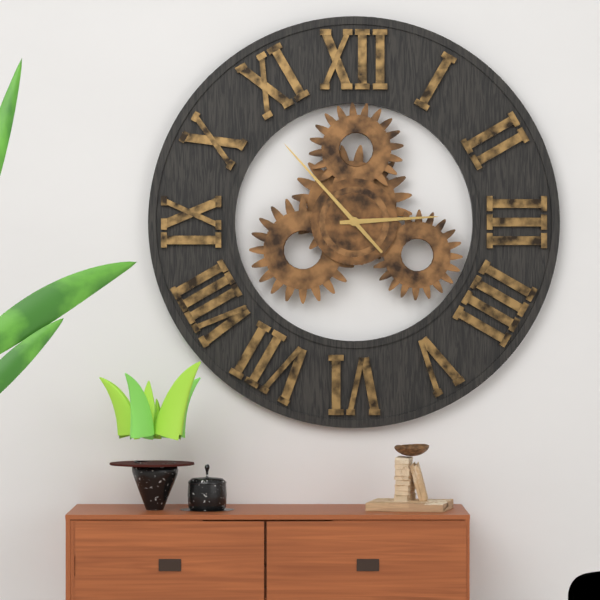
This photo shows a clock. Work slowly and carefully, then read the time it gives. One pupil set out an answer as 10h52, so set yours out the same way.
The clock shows 2h53
